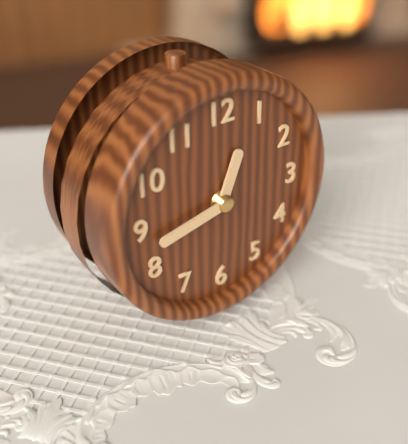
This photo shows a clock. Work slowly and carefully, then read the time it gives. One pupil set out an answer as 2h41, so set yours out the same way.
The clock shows 12h43
